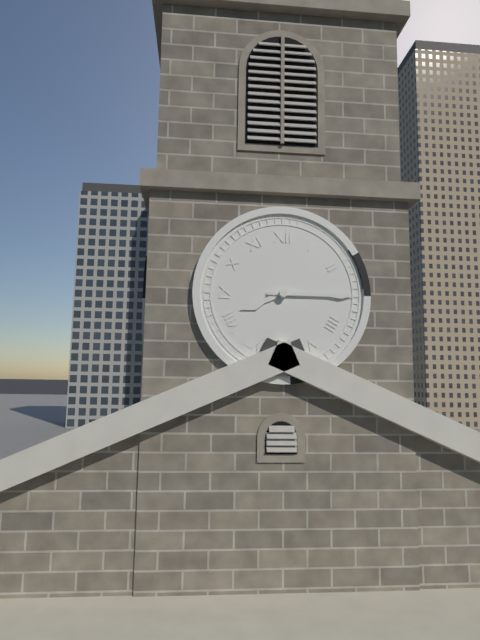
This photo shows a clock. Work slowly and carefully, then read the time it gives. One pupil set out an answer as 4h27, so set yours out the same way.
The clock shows 8h15
